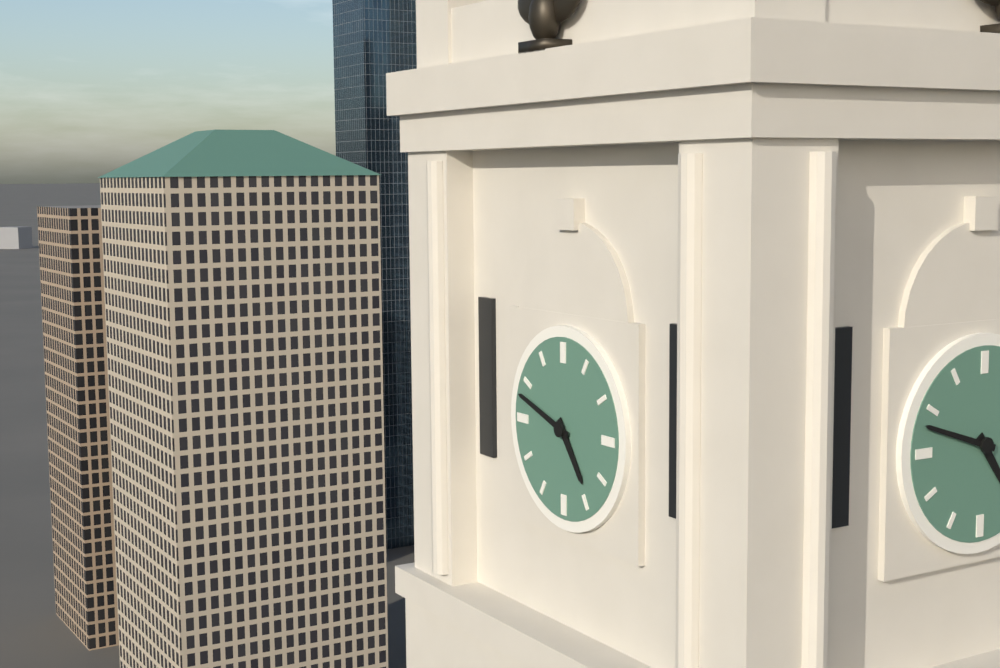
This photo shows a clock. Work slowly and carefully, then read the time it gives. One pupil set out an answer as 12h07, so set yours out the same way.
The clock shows 4h48
